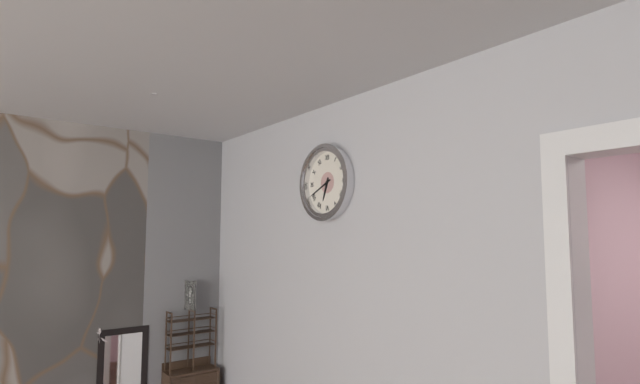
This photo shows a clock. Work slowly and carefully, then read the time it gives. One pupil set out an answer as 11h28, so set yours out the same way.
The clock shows 6h41
